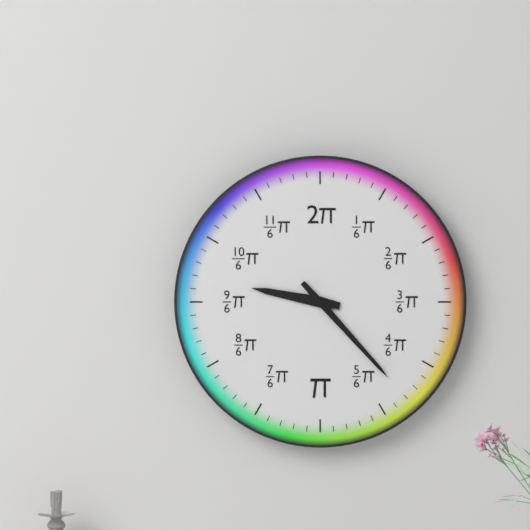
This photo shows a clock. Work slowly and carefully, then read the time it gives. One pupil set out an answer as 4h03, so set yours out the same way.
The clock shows 9h23
